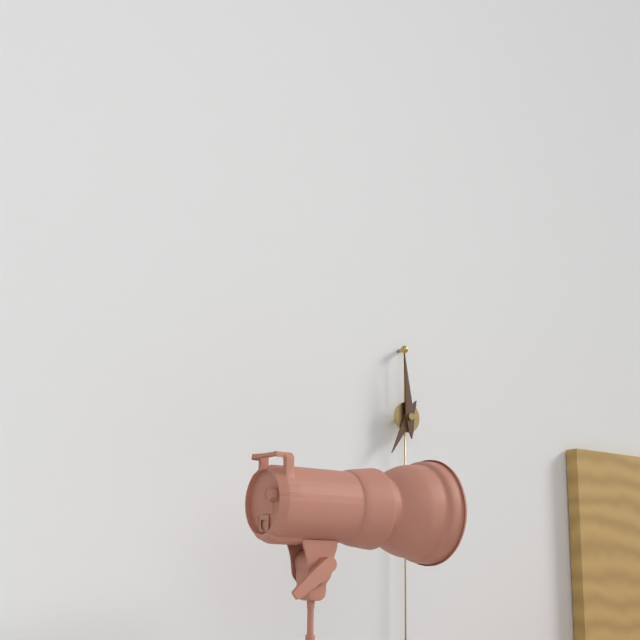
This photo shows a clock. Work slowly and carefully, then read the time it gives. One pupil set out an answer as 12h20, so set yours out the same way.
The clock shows 6h59
